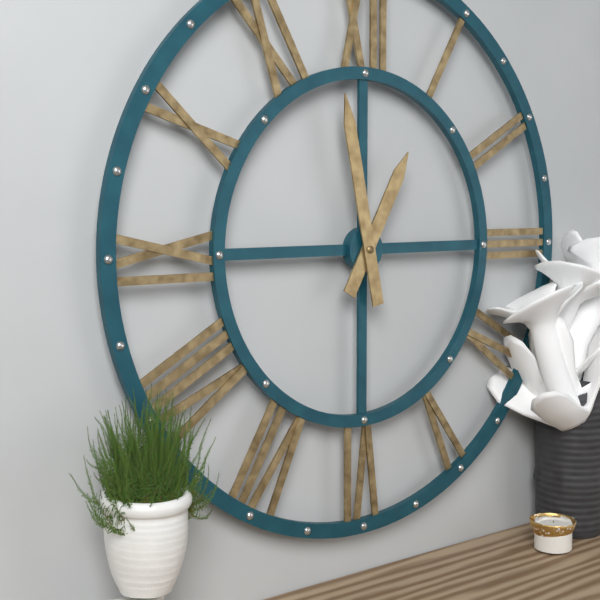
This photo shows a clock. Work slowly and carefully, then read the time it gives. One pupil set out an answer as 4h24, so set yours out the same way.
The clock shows 12h58
